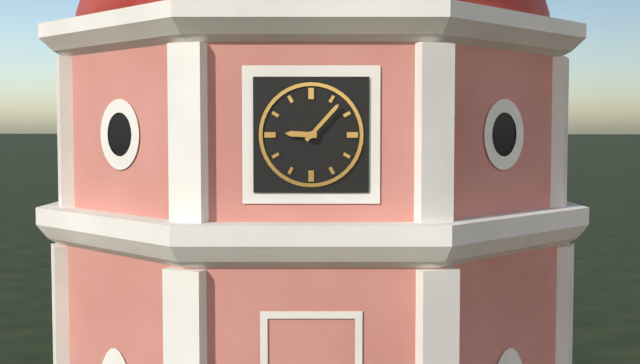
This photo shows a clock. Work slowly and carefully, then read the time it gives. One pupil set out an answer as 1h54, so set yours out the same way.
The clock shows 9h07
